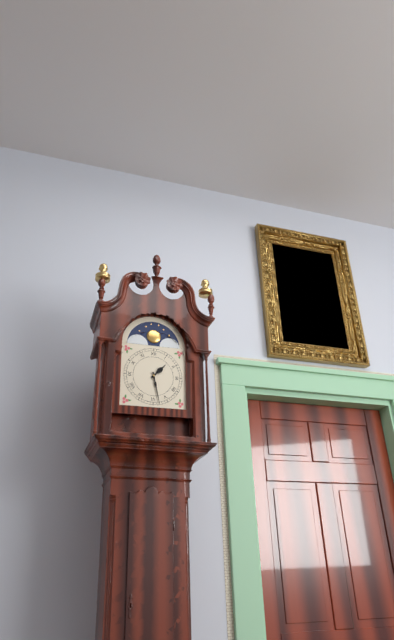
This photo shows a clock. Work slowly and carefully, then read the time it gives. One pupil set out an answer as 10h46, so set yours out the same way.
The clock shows 1h28
